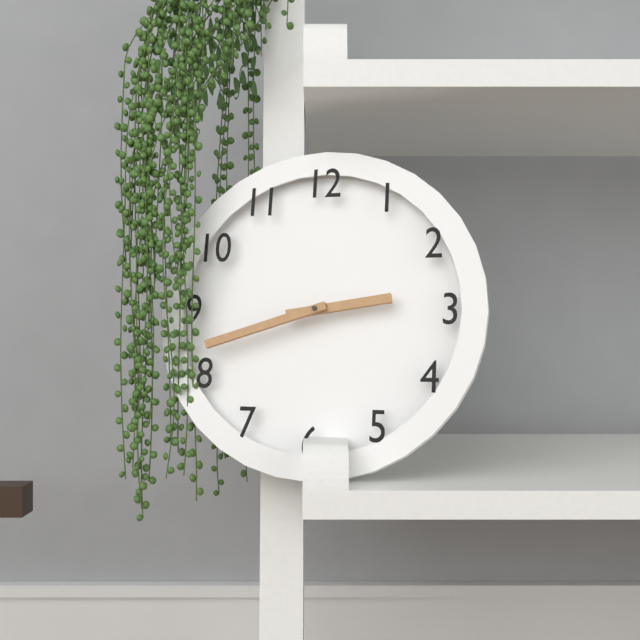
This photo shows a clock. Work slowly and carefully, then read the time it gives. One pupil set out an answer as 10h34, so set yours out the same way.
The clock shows 2h42
